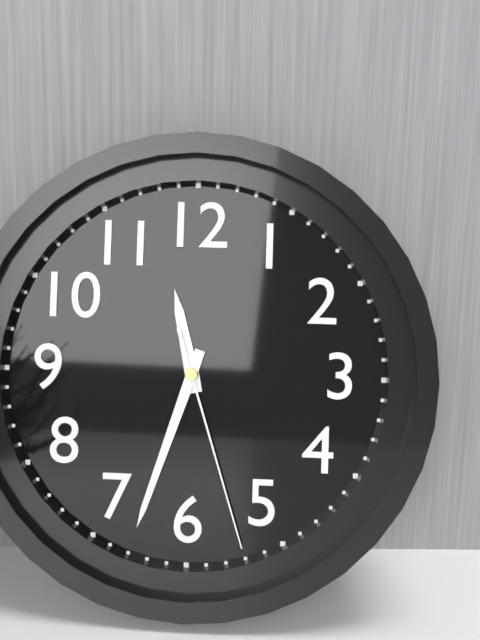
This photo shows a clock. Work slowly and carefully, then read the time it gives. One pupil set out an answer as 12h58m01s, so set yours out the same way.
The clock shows 11h33m27s
